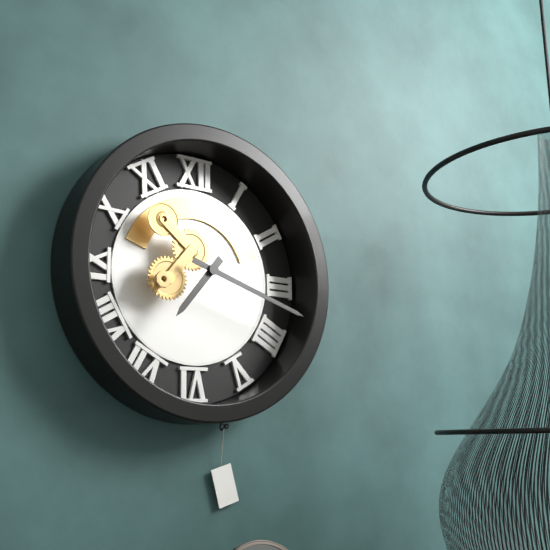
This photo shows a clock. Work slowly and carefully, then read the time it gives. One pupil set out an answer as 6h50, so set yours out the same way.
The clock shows 7h18
